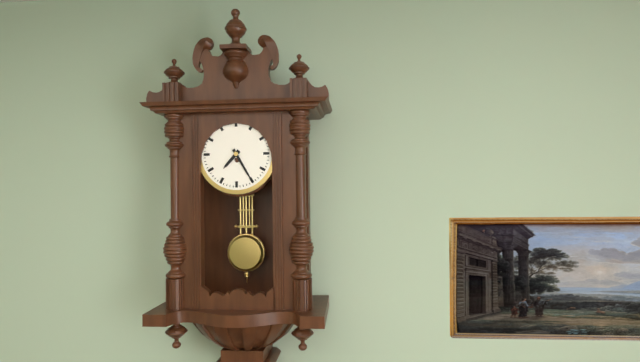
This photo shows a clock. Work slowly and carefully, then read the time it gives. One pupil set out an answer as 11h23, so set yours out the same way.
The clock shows 7h25
